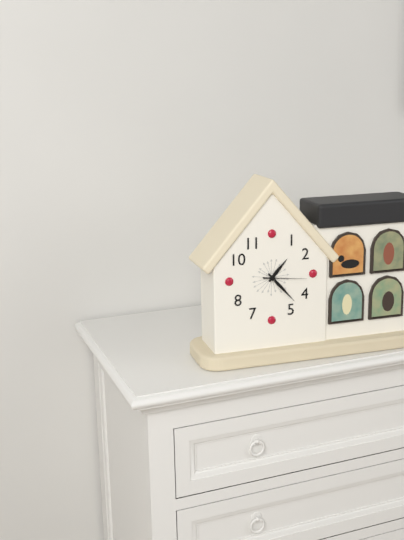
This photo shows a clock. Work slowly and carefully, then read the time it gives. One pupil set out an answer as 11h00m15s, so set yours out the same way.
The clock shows 1h23m16s
